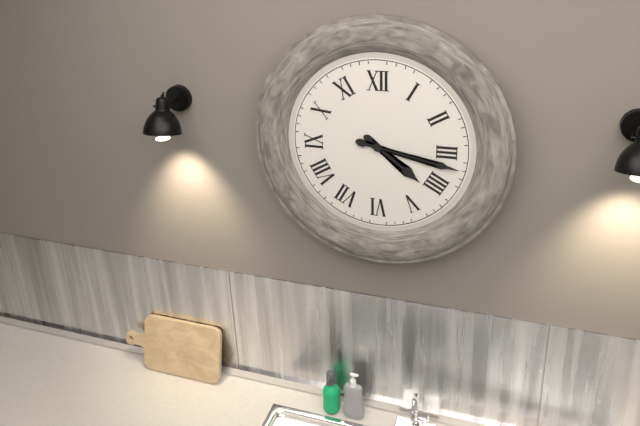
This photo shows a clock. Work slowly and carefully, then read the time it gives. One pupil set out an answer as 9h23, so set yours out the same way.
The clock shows 4h17
